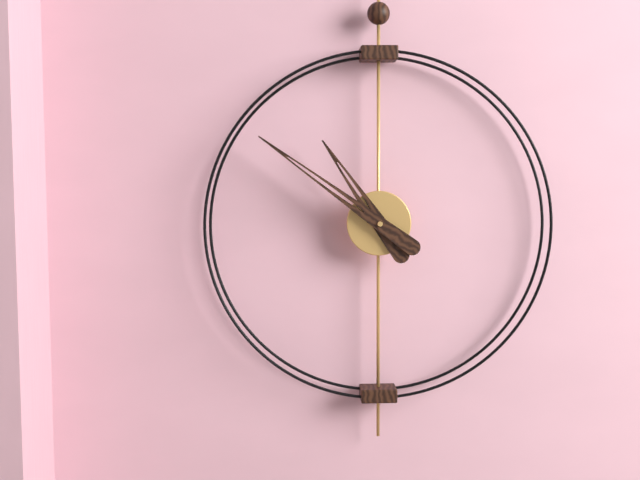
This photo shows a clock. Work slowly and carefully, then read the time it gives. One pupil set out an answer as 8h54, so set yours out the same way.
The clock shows 10h51
